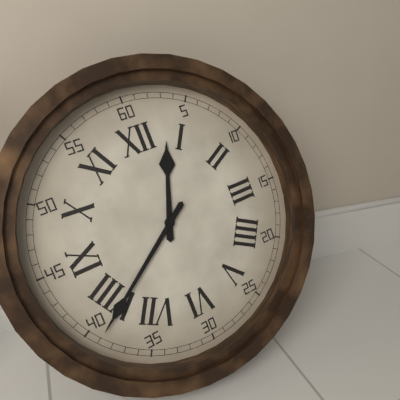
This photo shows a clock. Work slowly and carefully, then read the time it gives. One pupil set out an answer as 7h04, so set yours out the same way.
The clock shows 12h39
